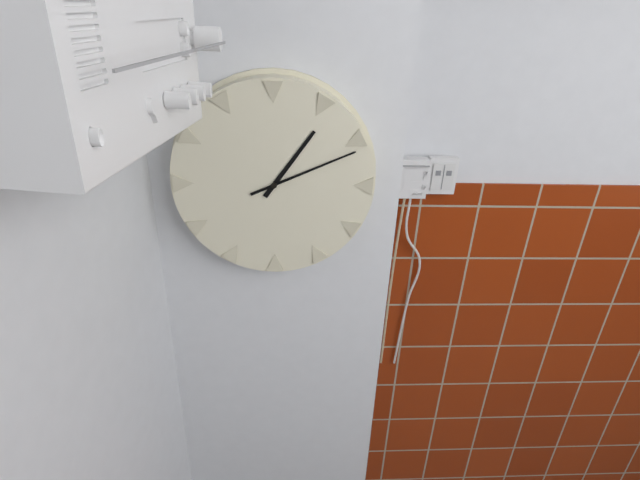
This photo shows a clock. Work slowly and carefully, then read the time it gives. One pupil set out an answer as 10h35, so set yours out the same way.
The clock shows 1h11
